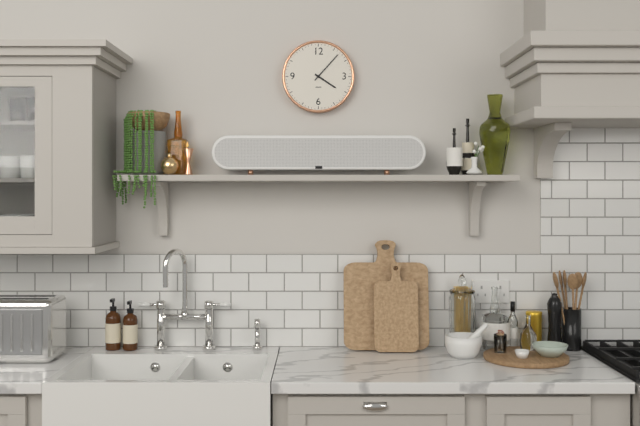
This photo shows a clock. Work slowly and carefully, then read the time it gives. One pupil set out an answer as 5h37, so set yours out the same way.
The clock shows 4h07
